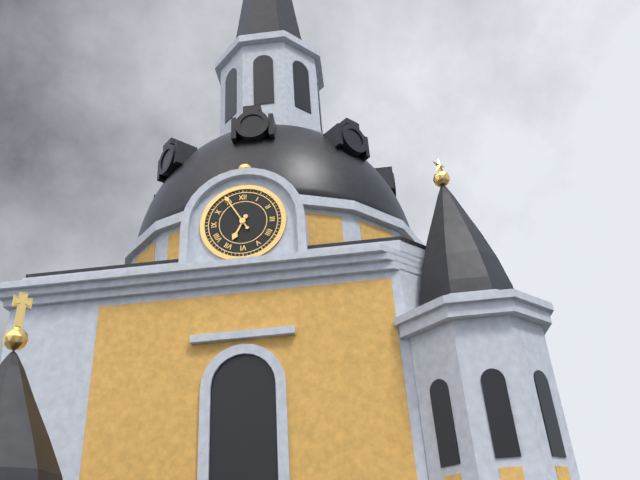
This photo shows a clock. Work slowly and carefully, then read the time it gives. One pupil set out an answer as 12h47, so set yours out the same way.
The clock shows 6h55
